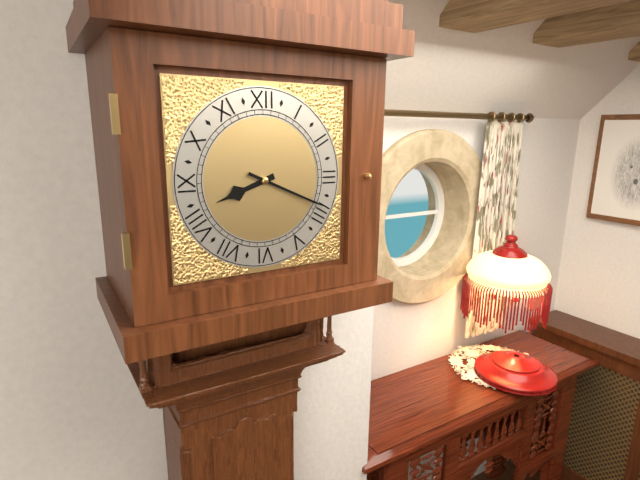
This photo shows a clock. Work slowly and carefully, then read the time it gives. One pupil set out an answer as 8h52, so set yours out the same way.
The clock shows 8h19
